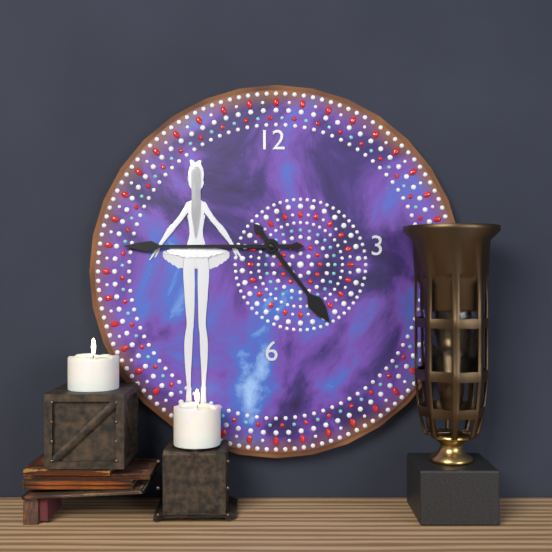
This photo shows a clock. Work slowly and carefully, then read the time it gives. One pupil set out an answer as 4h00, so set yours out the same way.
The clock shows 4h45
